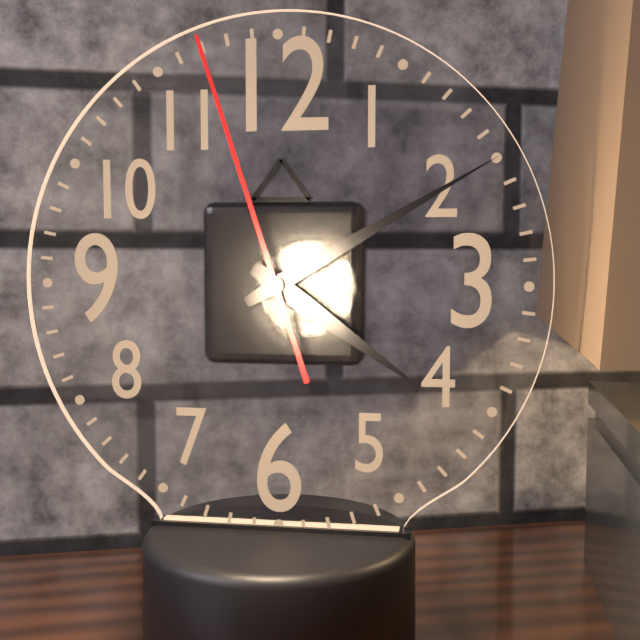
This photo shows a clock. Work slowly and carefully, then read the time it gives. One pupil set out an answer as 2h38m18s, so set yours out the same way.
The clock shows 4h10m57s
